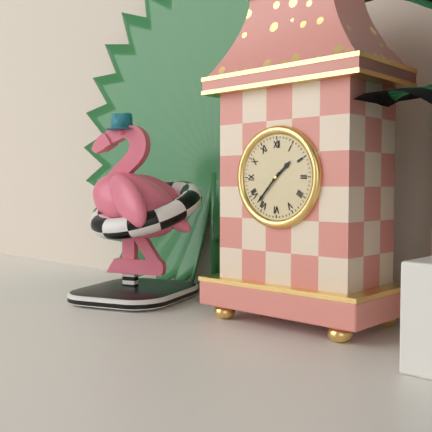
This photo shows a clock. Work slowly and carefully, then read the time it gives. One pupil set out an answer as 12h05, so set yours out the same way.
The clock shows 1h37
